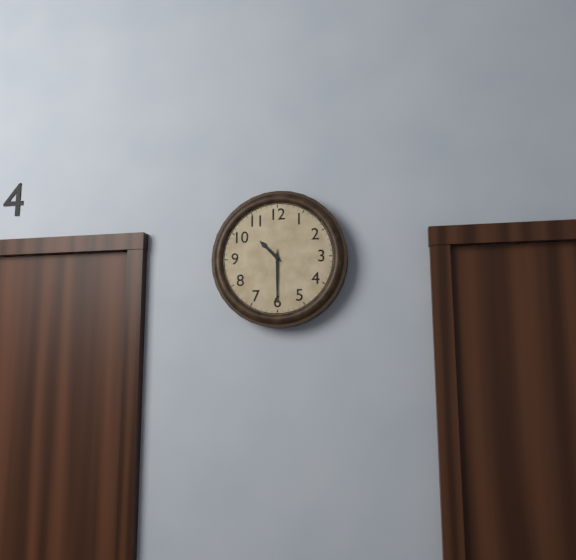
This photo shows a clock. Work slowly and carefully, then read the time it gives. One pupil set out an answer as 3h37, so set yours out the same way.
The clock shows 10h30
